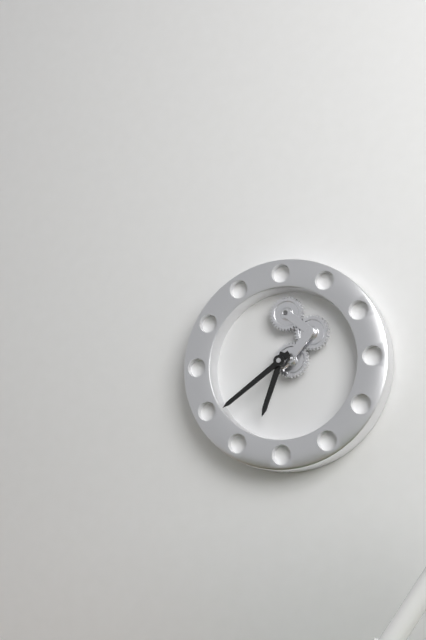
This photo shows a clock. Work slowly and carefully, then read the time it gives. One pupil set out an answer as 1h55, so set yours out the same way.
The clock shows 6h39
